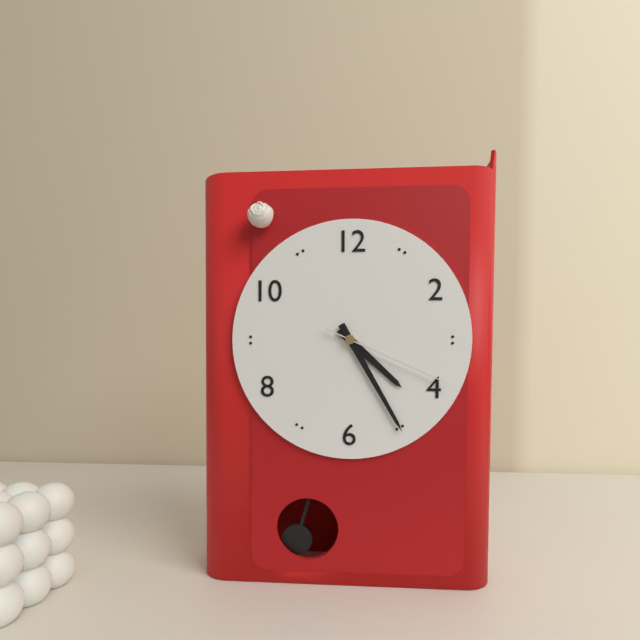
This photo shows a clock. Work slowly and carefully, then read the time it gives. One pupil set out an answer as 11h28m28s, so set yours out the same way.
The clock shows 4h25m19s
